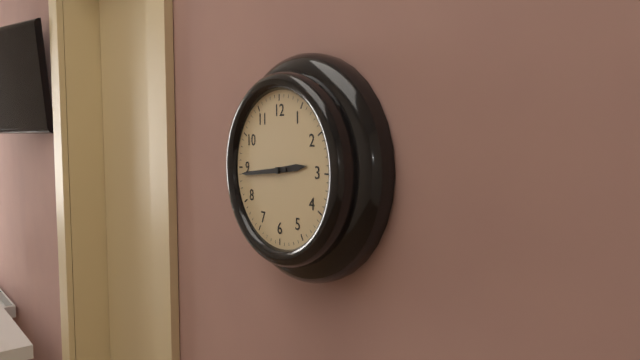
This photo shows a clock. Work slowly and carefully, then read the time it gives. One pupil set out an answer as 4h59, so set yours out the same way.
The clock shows 2h44
